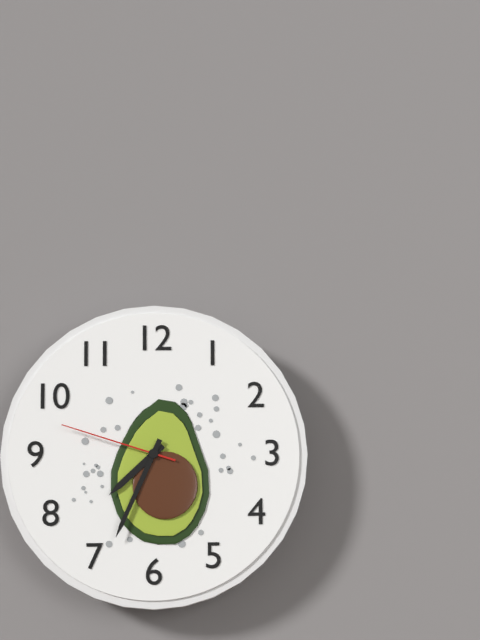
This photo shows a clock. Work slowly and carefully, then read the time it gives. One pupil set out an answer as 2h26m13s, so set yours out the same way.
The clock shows 7h34m48s
